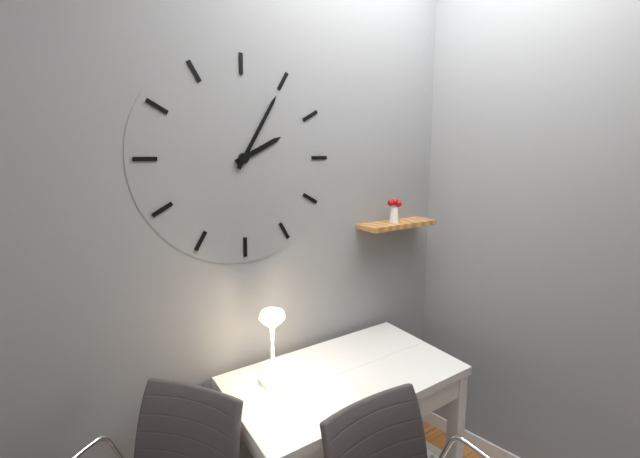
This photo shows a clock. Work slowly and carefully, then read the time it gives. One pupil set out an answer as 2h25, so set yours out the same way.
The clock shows 2h05
